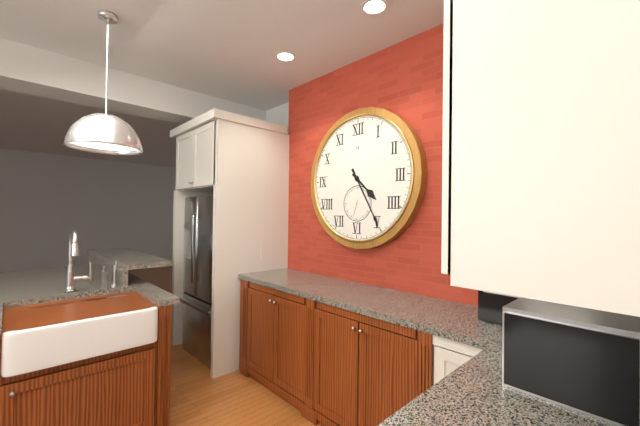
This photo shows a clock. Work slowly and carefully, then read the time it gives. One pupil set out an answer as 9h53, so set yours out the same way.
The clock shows 4h25
